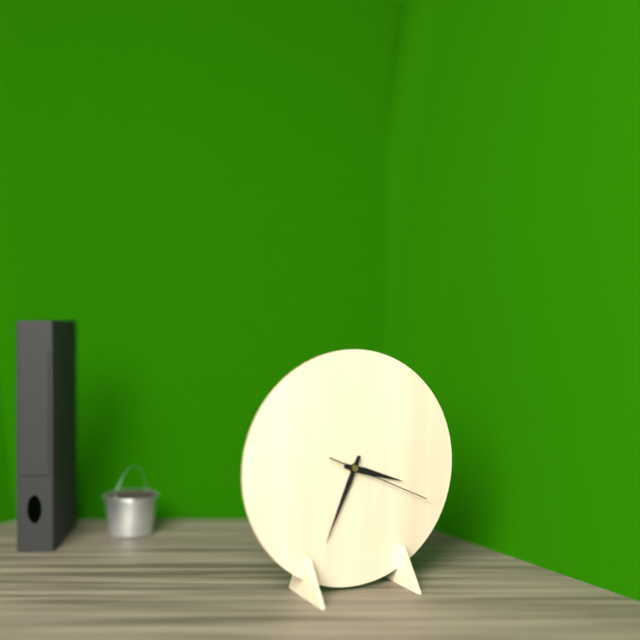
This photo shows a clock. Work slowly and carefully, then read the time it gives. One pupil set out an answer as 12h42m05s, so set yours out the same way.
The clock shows 3h34m19s
